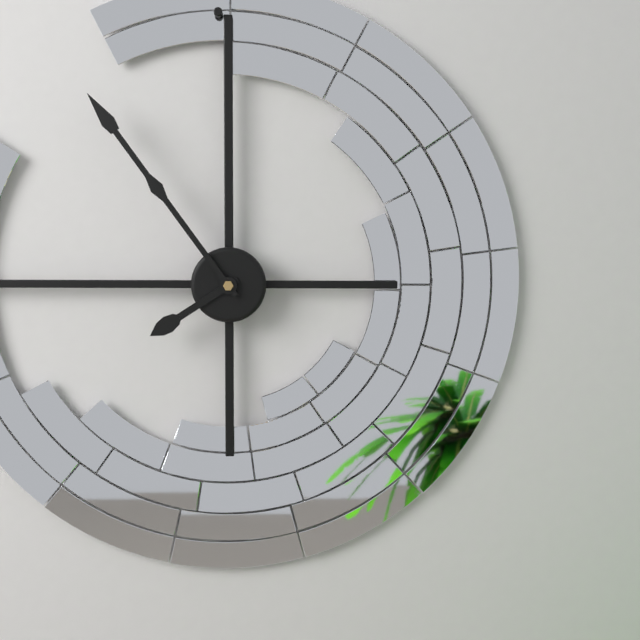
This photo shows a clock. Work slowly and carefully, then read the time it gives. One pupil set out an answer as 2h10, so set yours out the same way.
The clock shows 7h54
